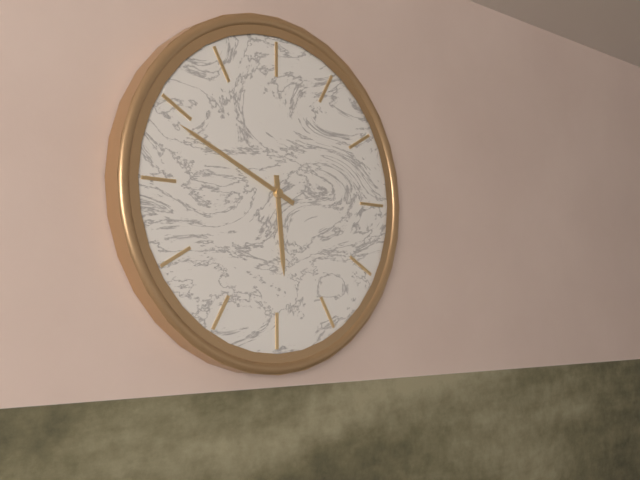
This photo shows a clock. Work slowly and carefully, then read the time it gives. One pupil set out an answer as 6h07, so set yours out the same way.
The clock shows 5h49
